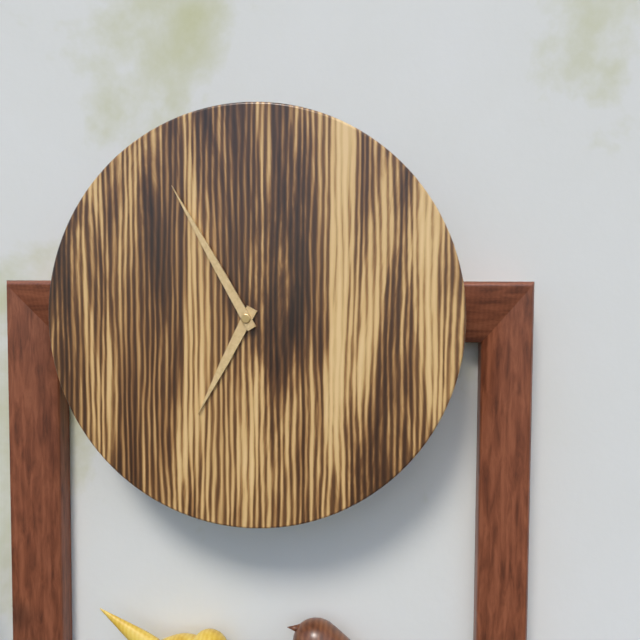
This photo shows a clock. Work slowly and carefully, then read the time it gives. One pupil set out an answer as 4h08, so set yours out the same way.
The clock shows 6h55
